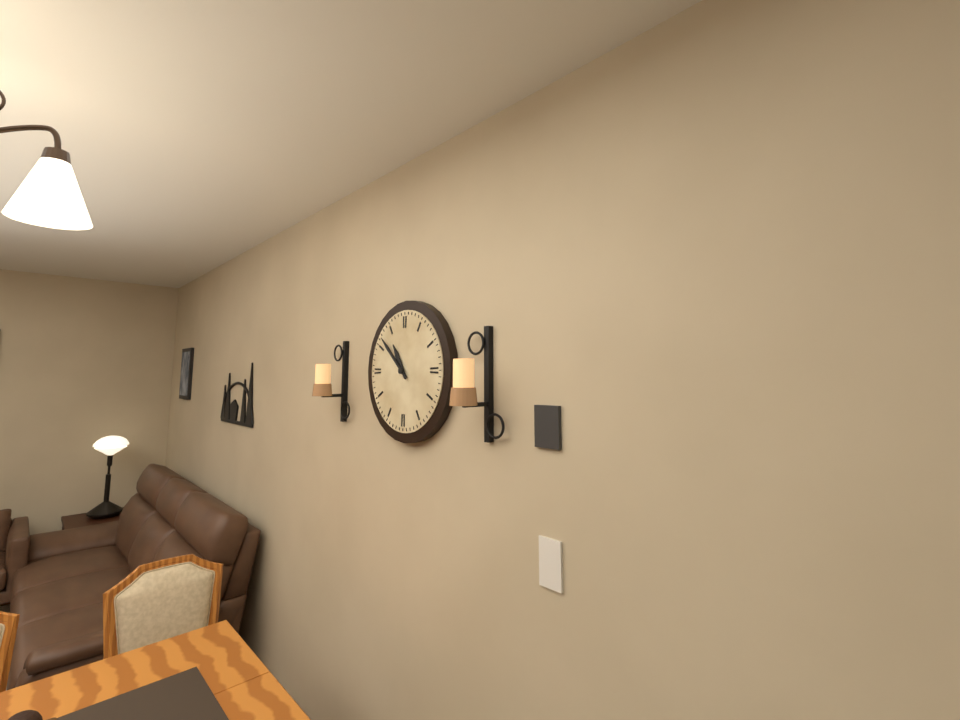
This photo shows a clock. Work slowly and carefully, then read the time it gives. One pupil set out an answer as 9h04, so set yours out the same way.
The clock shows 10h52
